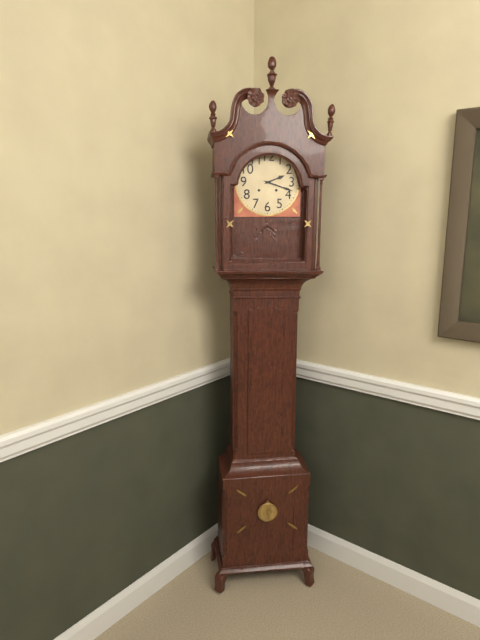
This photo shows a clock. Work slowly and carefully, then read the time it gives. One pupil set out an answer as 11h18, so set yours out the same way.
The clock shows 2h18
